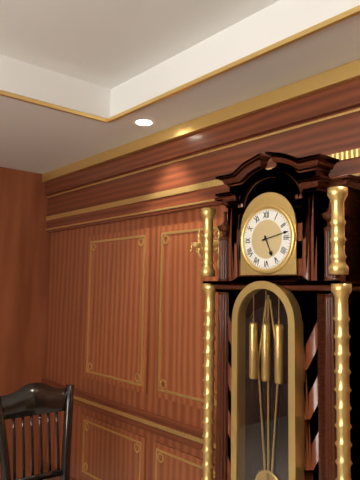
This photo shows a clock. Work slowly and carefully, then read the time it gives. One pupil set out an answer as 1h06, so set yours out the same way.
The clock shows 5h13
